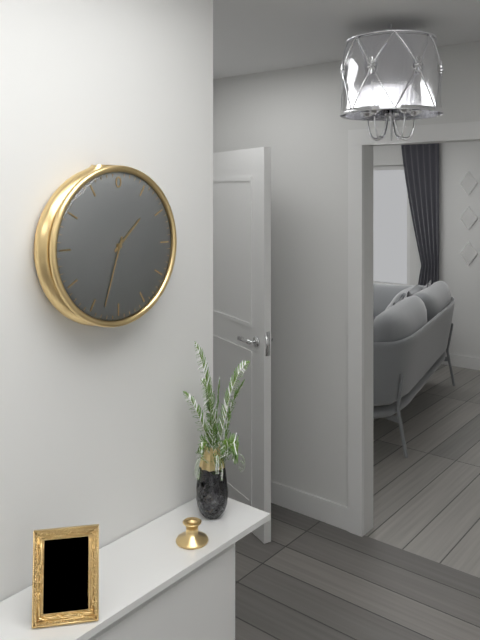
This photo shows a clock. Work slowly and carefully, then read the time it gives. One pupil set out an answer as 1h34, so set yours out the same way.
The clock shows 1h33
